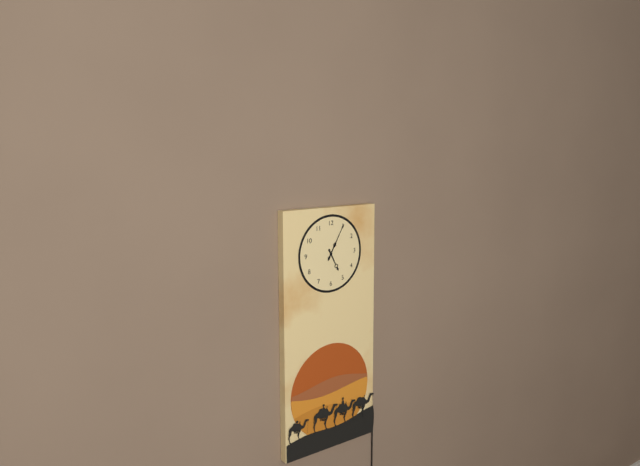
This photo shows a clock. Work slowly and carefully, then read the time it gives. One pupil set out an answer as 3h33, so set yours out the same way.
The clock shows 5h05
